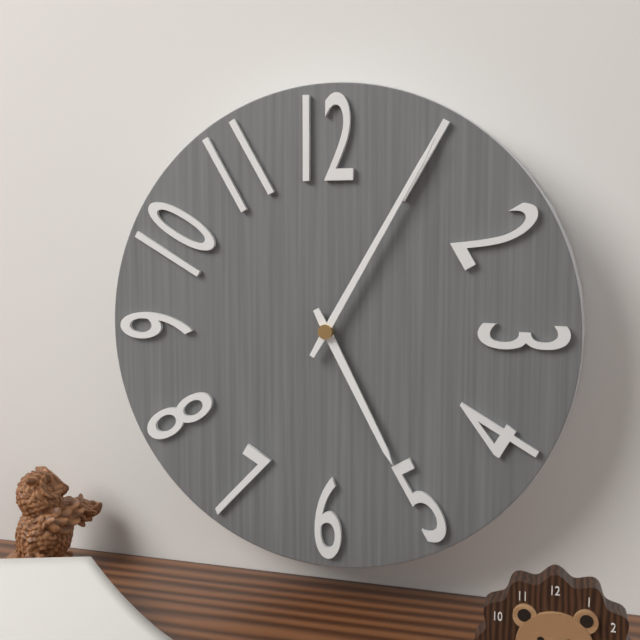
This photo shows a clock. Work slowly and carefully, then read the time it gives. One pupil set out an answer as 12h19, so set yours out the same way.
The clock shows 5h05
